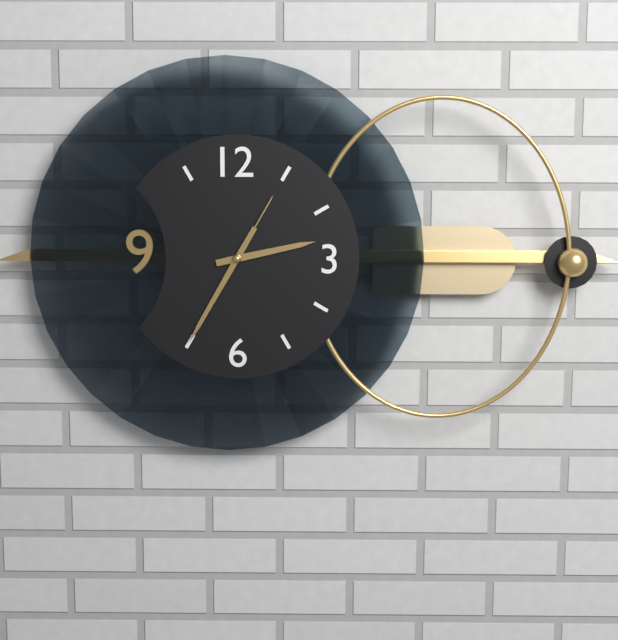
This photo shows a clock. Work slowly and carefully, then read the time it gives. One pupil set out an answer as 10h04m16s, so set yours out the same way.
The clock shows 2h35m05s
